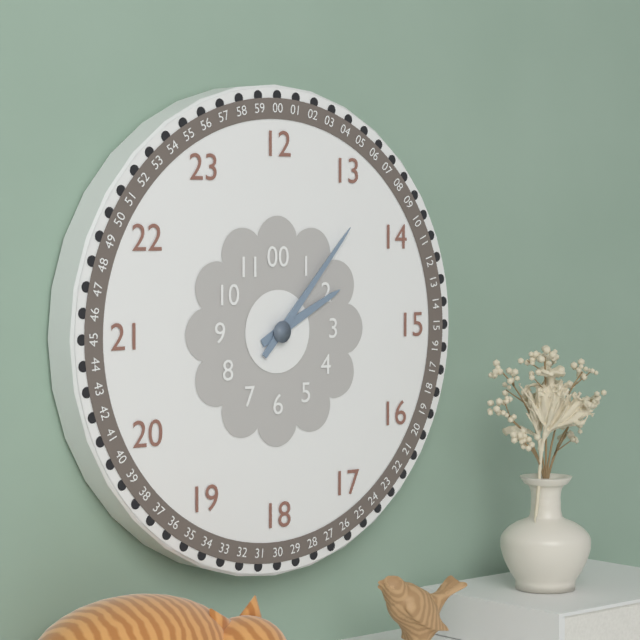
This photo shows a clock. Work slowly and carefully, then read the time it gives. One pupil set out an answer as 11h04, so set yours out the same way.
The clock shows 2h07
